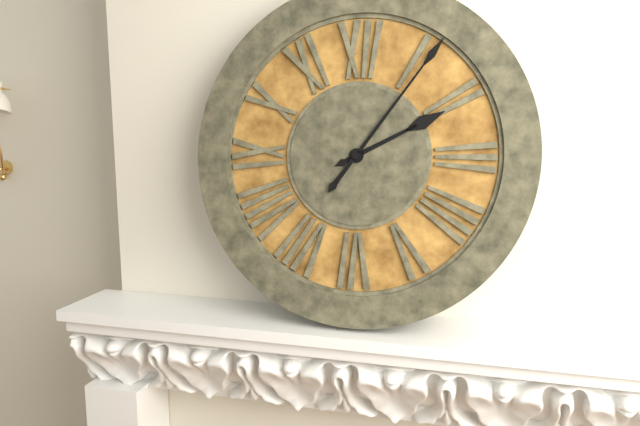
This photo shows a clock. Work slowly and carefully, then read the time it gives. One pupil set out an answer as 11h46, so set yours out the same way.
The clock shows 2h06
